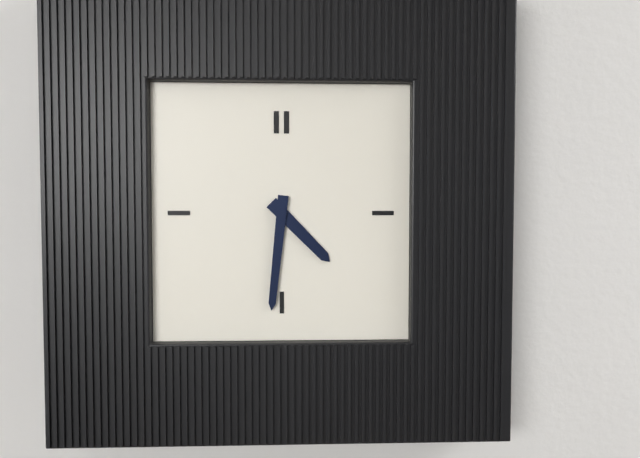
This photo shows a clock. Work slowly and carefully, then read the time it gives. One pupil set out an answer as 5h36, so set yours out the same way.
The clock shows 4h31
